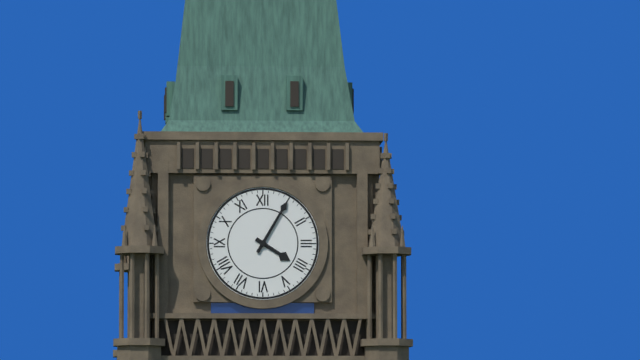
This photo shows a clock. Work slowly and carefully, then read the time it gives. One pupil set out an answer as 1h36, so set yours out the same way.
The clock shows 4h05
